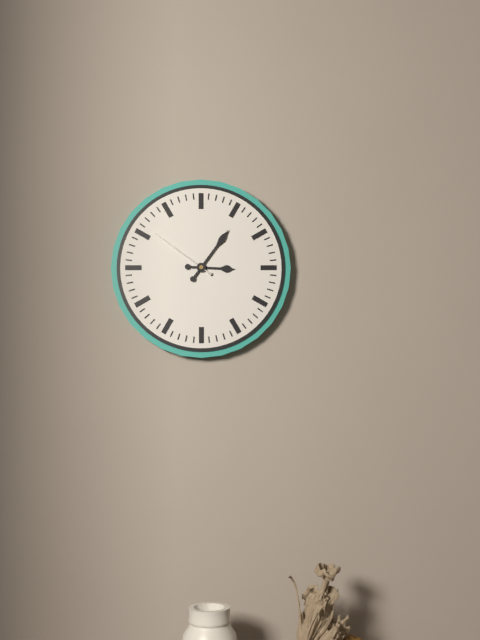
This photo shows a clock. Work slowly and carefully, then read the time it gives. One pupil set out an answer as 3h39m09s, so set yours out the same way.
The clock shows 3h06m51s
